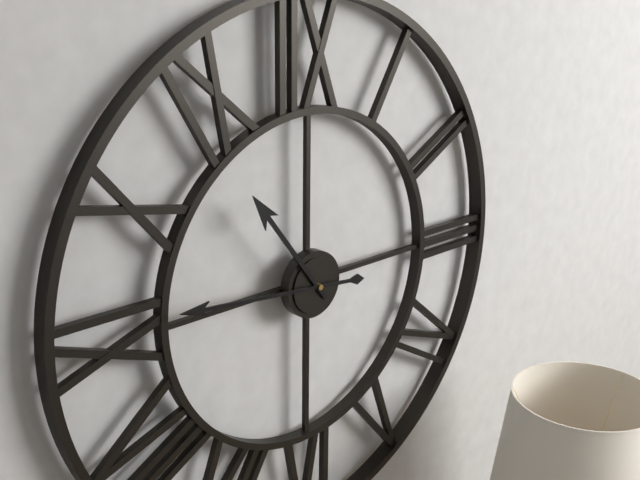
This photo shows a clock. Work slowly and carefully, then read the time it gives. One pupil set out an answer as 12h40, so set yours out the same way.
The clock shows 10h46
